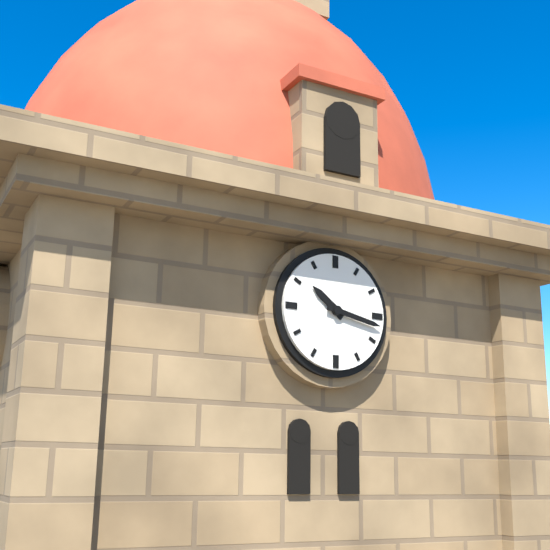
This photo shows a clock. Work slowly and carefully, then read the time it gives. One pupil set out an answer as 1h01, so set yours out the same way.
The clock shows 10h17
